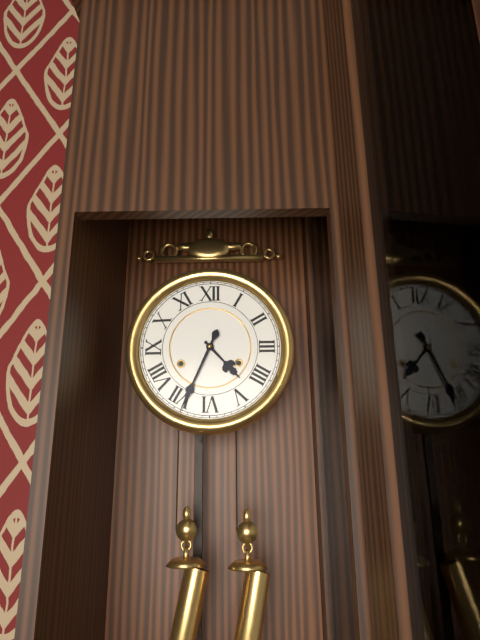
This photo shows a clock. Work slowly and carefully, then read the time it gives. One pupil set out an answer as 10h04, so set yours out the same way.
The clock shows 4h34
